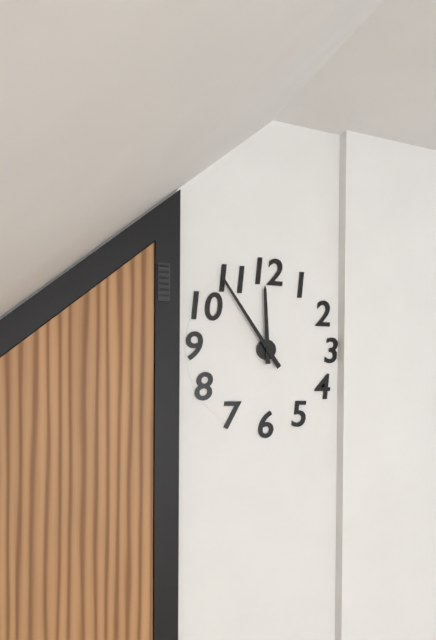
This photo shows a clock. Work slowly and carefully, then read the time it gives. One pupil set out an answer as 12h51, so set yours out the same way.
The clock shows 11h54
